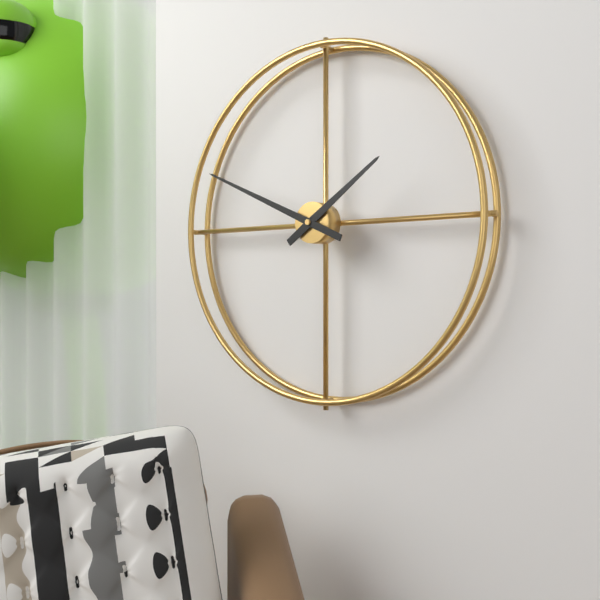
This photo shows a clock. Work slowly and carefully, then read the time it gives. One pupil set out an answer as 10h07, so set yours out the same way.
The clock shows 1h49
